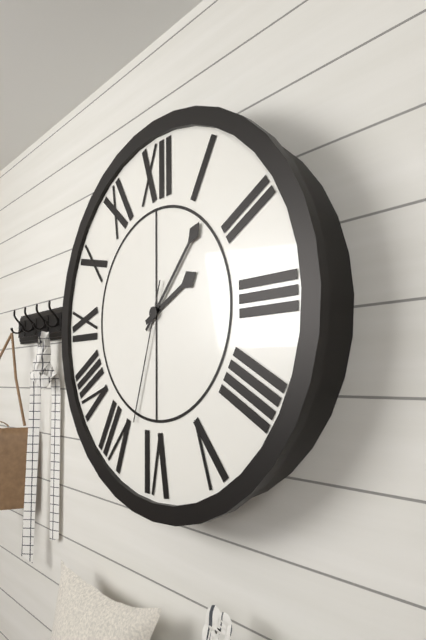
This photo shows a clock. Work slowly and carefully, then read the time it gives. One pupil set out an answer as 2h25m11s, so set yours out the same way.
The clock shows 2h07m33s
